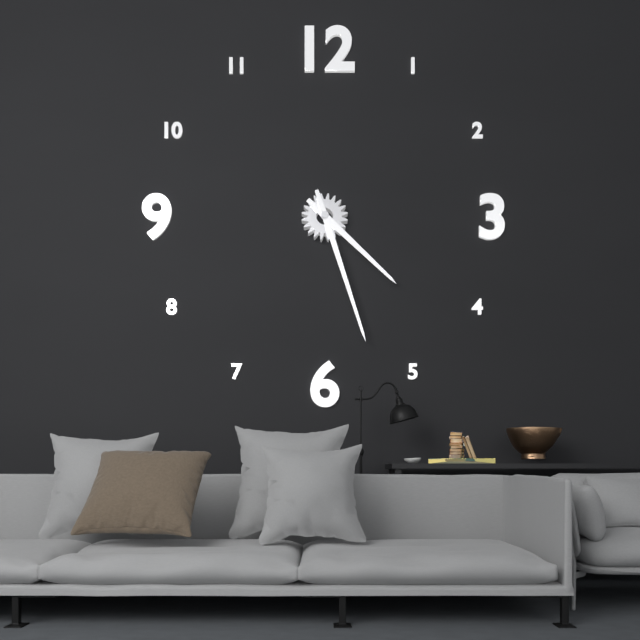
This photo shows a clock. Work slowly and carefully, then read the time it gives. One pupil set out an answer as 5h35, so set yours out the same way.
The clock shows 4h27
